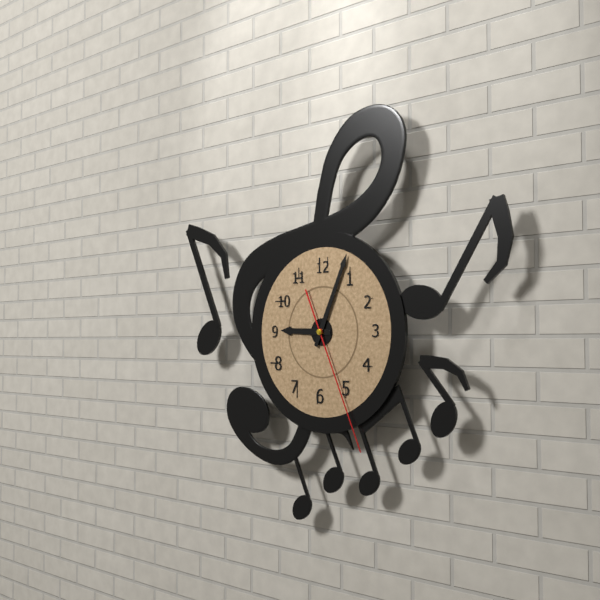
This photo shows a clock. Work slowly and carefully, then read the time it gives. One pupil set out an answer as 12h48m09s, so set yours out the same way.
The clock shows 9h04m26s
